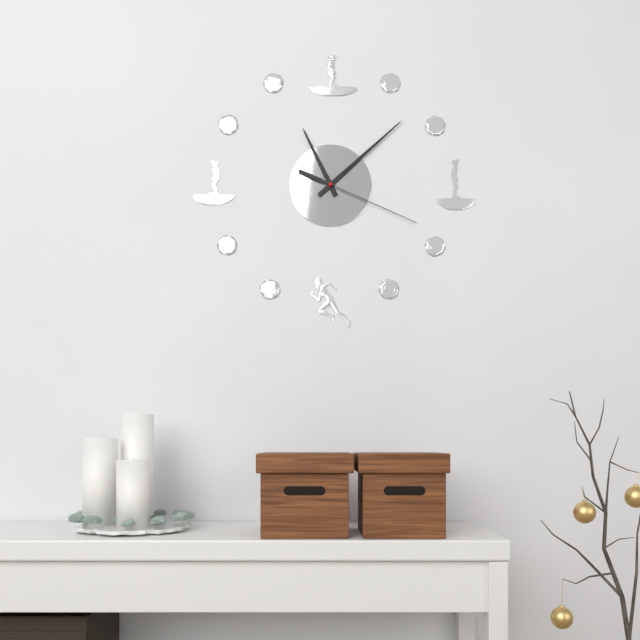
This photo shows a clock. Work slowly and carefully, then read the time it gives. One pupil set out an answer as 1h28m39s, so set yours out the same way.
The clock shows 11h08m19s
